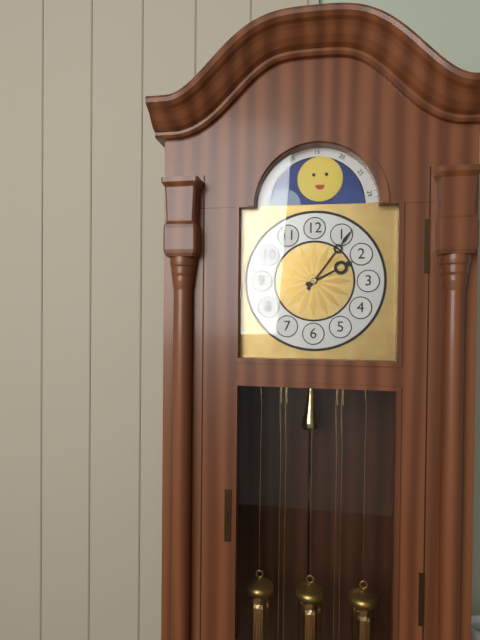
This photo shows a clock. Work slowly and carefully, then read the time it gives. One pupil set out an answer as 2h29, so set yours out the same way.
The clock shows 2h06
